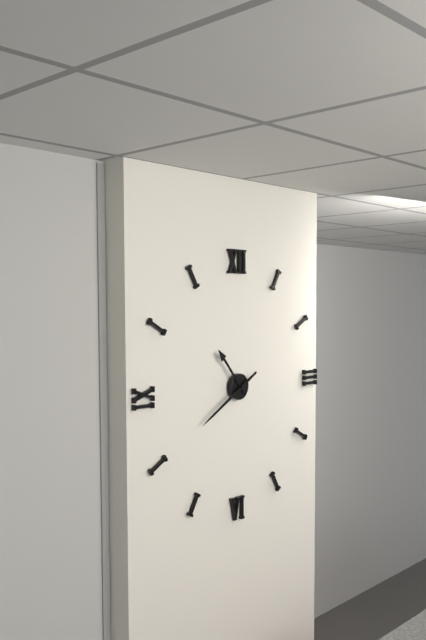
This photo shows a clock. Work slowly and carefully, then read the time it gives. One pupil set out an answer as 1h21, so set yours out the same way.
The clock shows 10h40
